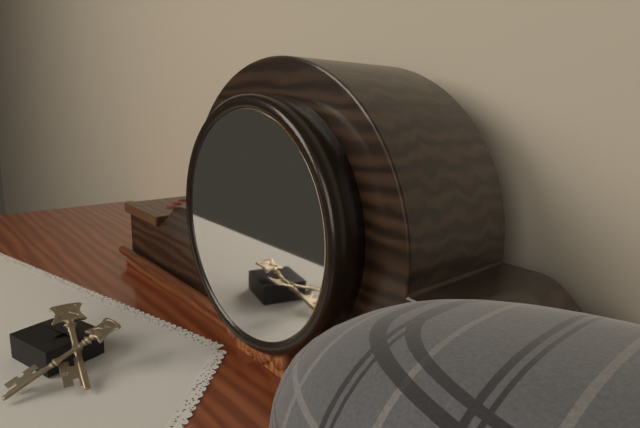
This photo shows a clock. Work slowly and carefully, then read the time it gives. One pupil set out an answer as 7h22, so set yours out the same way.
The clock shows 10h16
